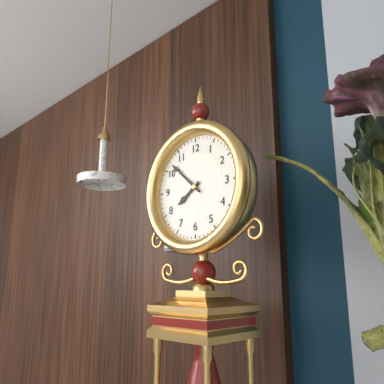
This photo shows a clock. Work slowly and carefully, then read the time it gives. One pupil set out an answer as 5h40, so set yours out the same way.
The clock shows 7h52
